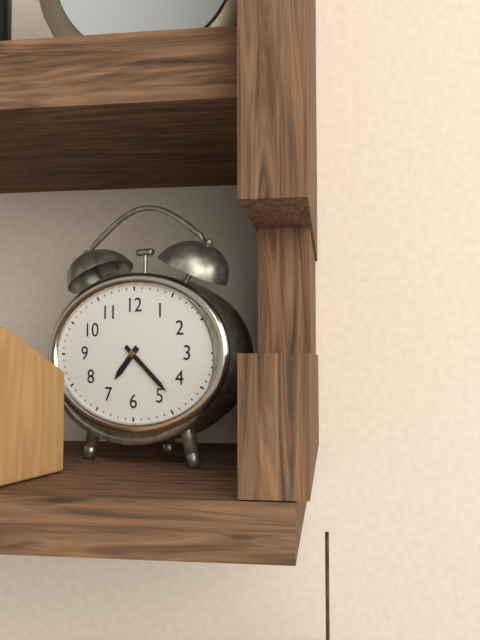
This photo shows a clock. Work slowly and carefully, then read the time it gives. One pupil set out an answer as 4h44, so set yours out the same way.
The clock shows 7h22
